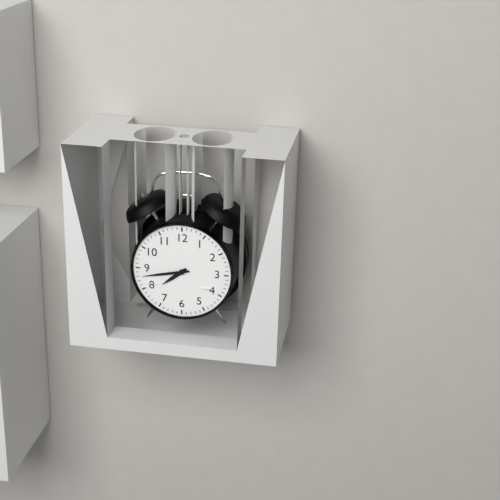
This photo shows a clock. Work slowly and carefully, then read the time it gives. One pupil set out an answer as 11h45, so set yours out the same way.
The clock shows 7h43
